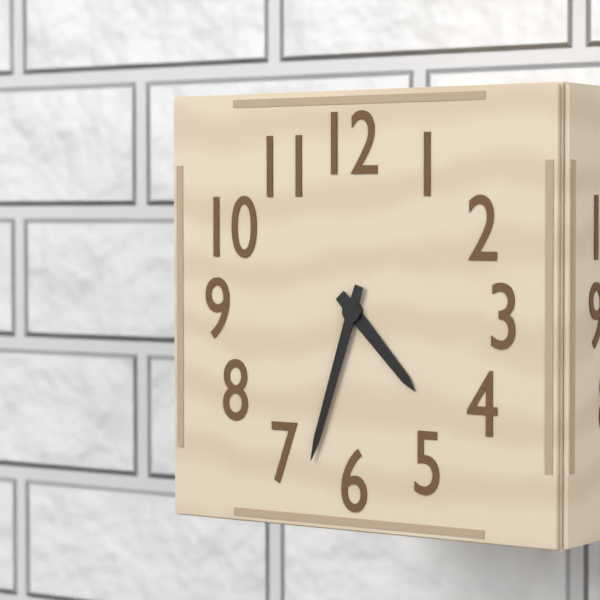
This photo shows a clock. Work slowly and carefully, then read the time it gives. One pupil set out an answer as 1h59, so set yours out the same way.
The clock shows 4h33
